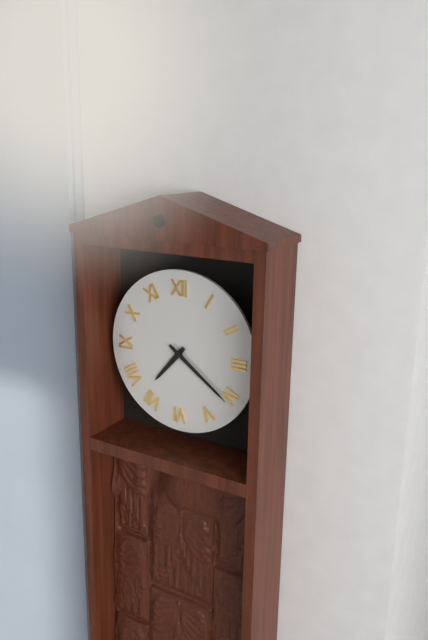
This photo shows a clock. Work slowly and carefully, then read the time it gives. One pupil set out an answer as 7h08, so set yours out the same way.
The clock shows 7h21
